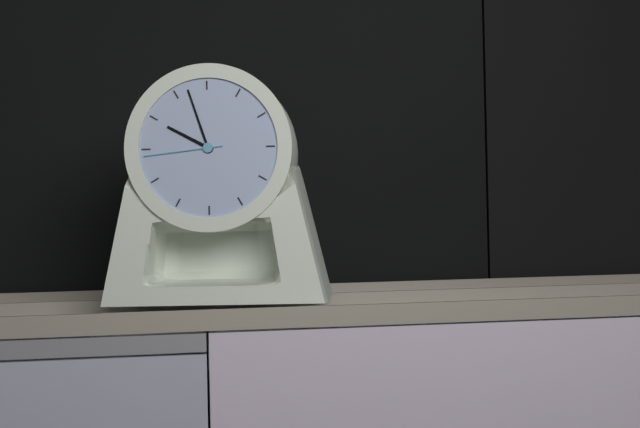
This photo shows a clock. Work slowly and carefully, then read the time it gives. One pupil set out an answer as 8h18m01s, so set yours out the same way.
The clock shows 9h57m44s
